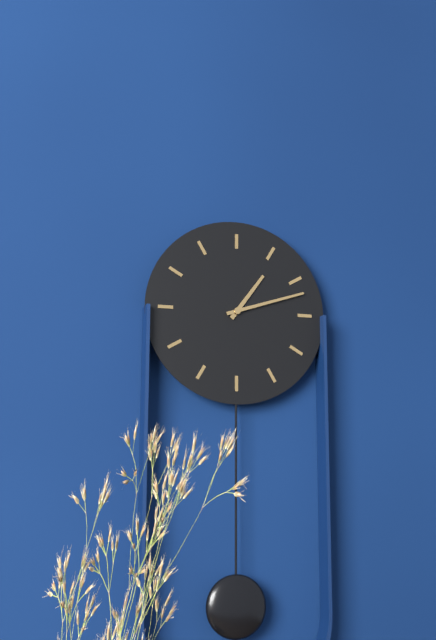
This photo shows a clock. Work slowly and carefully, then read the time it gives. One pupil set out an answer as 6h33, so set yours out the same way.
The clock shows 1h12
